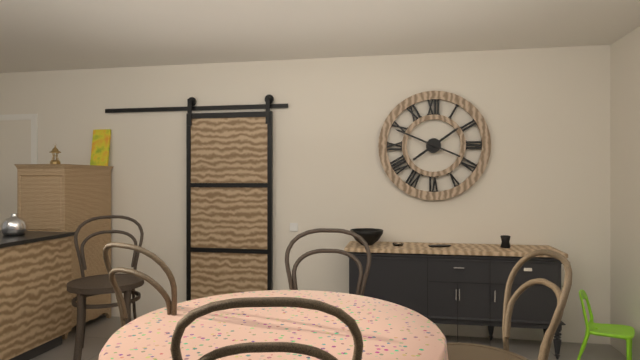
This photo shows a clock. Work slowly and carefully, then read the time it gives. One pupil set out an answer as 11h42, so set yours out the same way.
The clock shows 1h49
